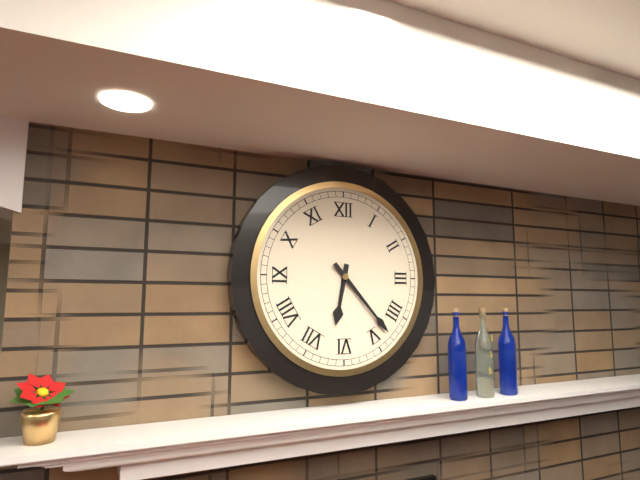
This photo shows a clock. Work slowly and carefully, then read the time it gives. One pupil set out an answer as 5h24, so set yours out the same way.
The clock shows 6h23
